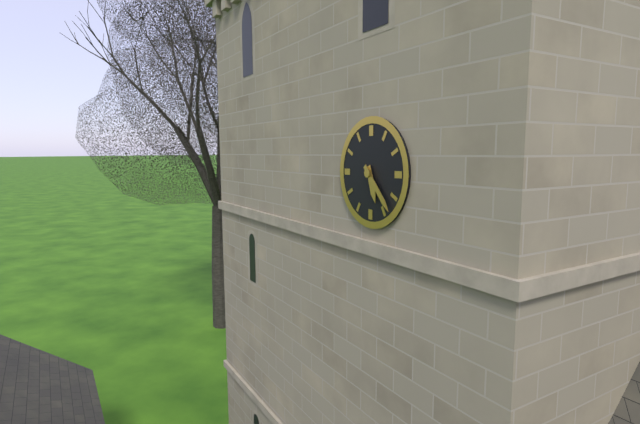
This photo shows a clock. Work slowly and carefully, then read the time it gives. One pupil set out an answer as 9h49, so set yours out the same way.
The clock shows 5h23
